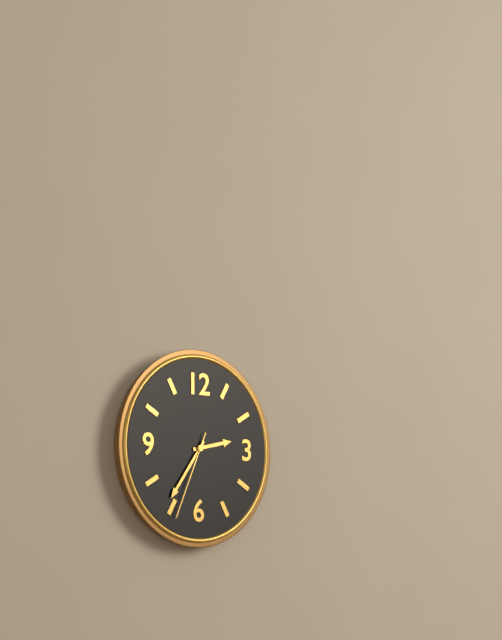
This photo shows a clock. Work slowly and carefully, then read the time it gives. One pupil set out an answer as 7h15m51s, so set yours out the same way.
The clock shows 2h36m34s
